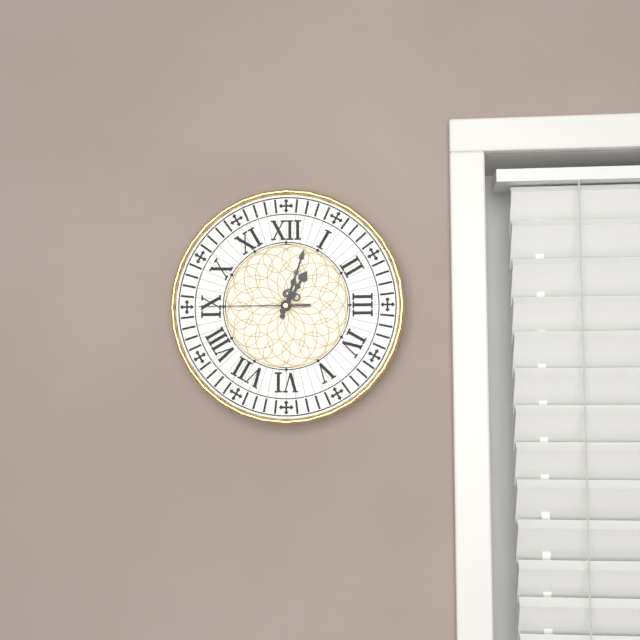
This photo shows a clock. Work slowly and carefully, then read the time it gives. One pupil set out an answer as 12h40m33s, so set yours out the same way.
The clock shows 1h03m45s
